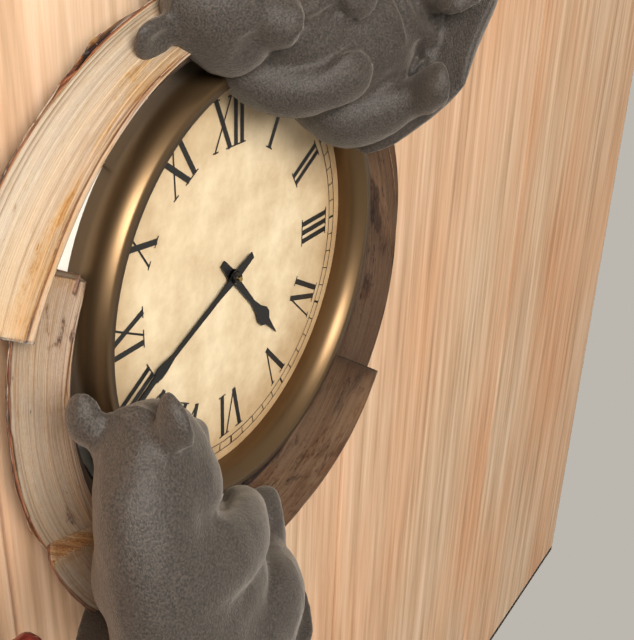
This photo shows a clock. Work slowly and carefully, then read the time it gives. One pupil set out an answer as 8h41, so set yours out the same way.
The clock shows 4h41
